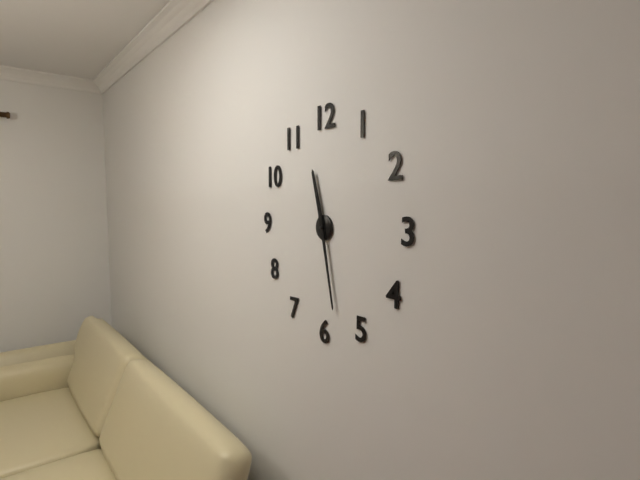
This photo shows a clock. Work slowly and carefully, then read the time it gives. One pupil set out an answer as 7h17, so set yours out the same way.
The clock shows 11h28
